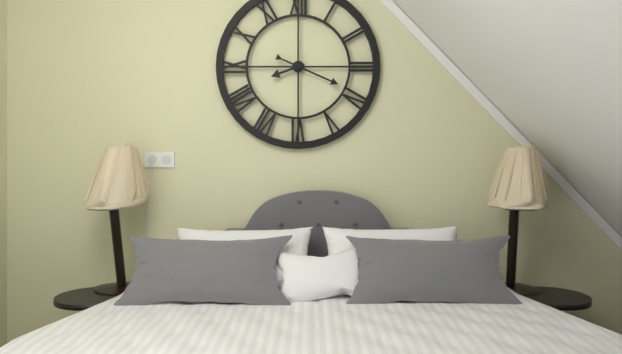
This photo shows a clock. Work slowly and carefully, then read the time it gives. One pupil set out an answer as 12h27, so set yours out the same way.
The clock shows 8h19
